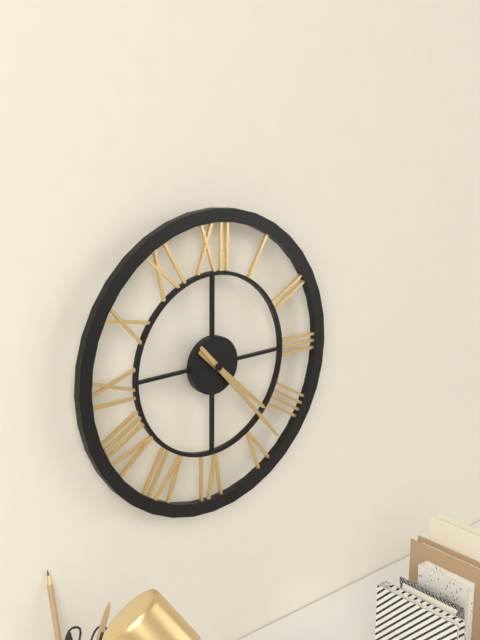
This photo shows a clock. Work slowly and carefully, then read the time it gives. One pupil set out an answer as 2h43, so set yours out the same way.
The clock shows 4h23
